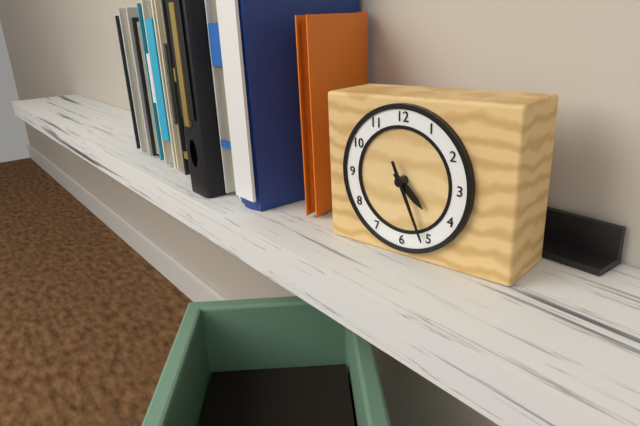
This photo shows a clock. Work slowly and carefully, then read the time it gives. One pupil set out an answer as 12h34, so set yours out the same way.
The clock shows 4h26
